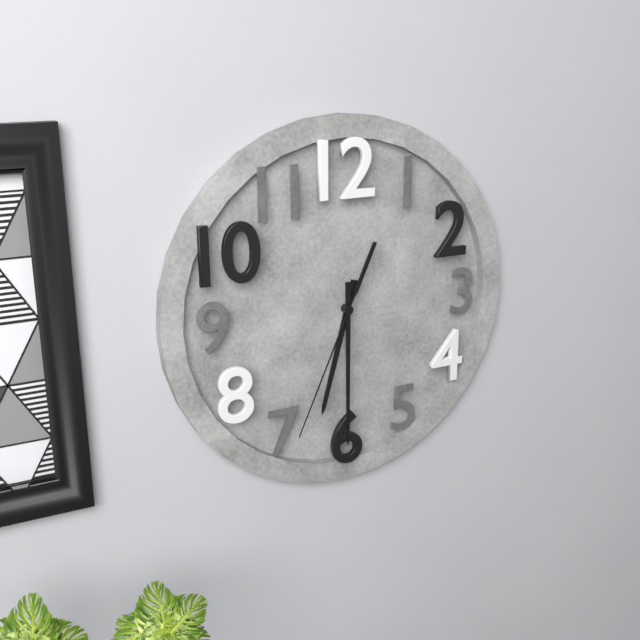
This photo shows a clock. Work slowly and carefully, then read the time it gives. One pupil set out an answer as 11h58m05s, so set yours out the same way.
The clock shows 6h30m34s
